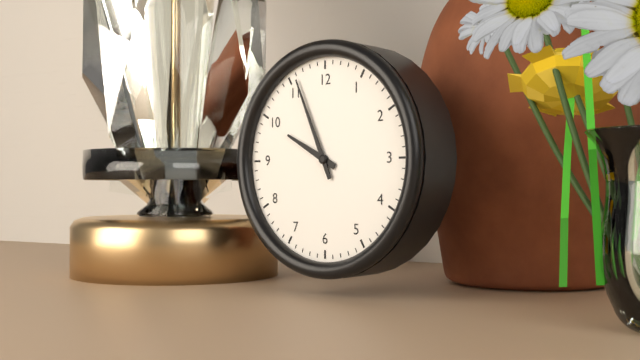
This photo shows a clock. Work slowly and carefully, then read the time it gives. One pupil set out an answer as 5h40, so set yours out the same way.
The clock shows 9h56
